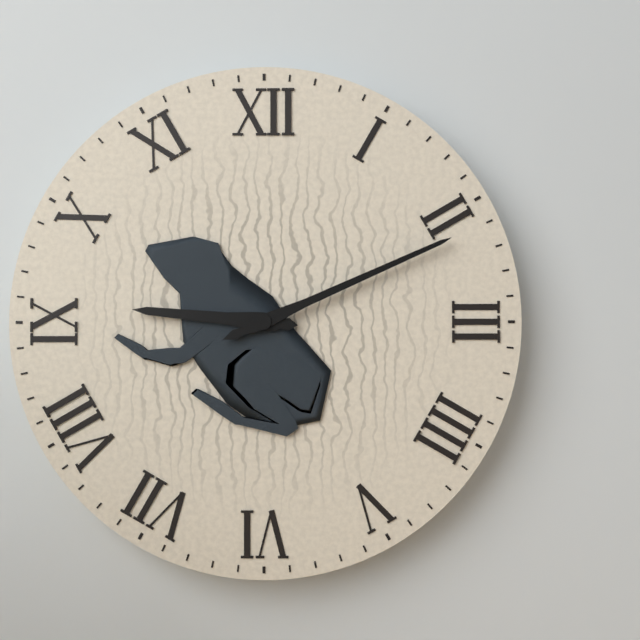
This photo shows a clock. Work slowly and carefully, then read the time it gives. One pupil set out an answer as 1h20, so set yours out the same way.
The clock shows 9h11
